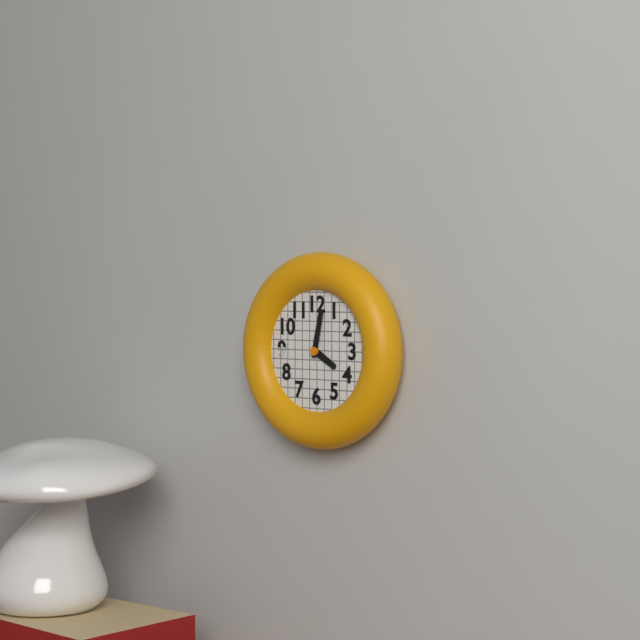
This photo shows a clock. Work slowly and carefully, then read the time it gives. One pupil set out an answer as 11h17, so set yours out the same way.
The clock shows 4h02
